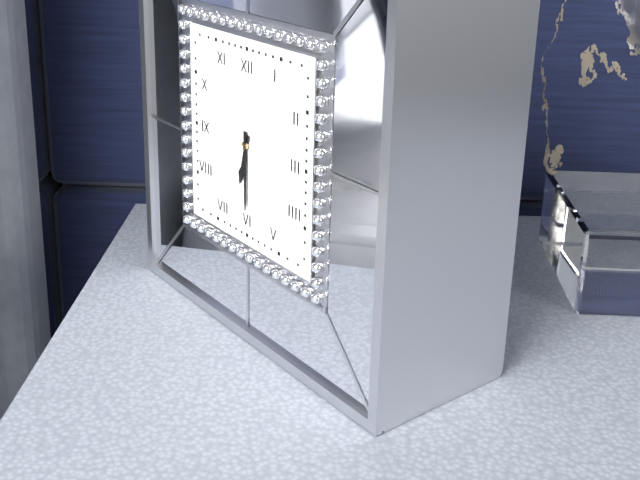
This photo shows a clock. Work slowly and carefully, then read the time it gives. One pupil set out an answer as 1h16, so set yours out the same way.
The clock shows 6h30
